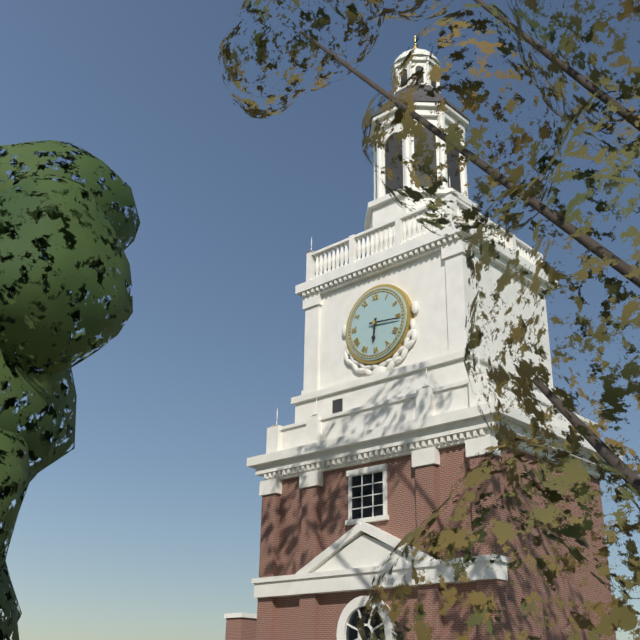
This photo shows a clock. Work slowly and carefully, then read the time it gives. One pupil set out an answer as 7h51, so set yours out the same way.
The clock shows 6h16
